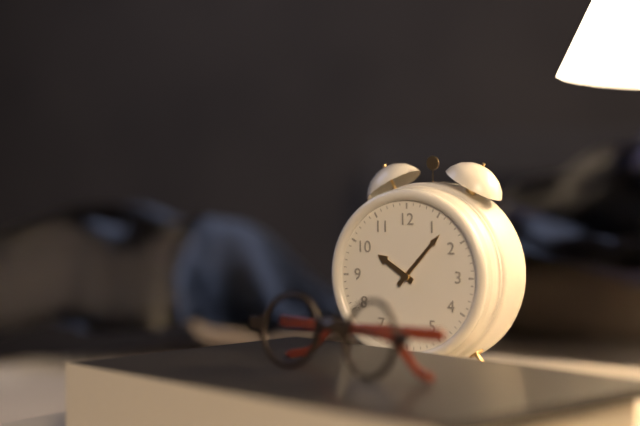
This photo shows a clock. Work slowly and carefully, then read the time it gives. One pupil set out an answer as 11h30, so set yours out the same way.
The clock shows 10h07
